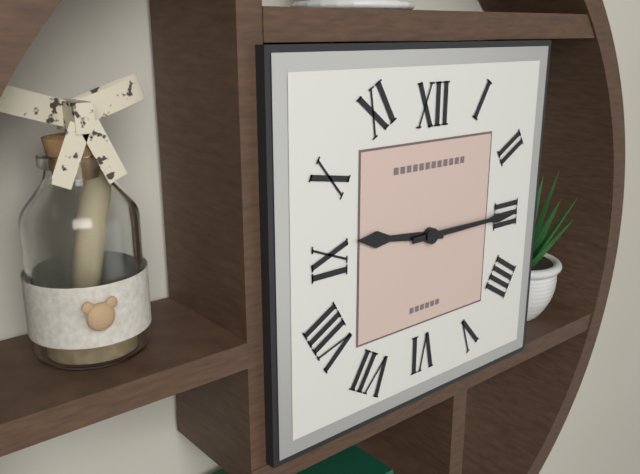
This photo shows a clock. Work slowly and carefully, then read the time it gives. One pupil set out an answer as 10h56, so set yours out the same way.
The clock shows 9h15
